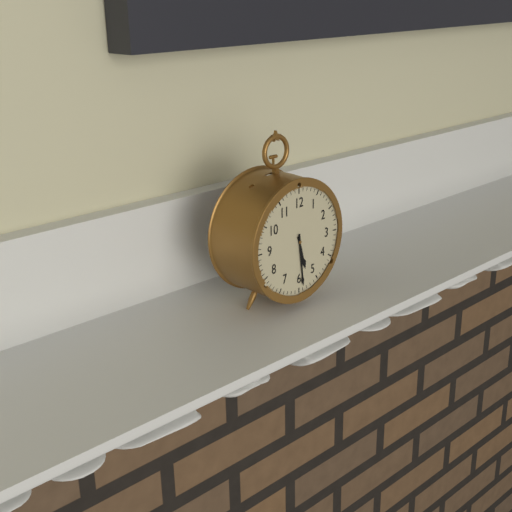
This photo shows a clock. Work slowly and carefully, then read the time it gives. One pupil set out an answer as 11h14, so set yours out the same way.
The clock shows 5h29
